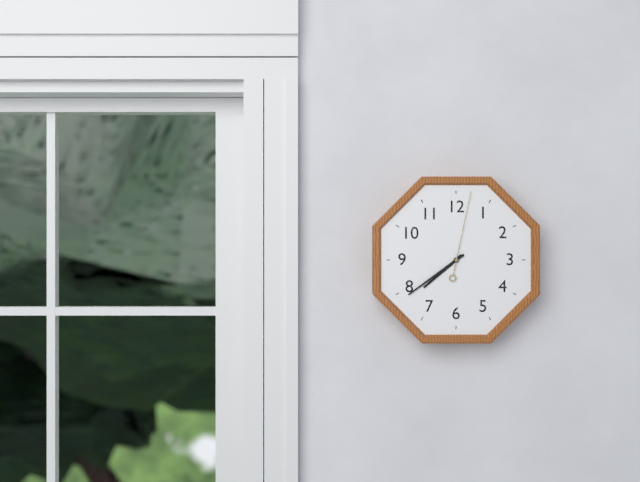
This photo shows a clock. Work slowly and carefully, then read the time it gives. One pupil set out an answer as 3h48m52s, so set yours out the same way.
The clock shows 7h39m02s
